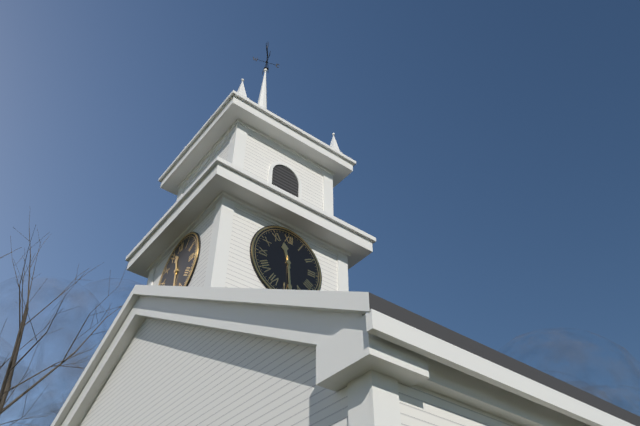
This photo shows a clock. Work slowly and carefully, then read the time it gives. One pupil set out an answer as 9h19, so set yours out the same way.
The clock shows 11h29
